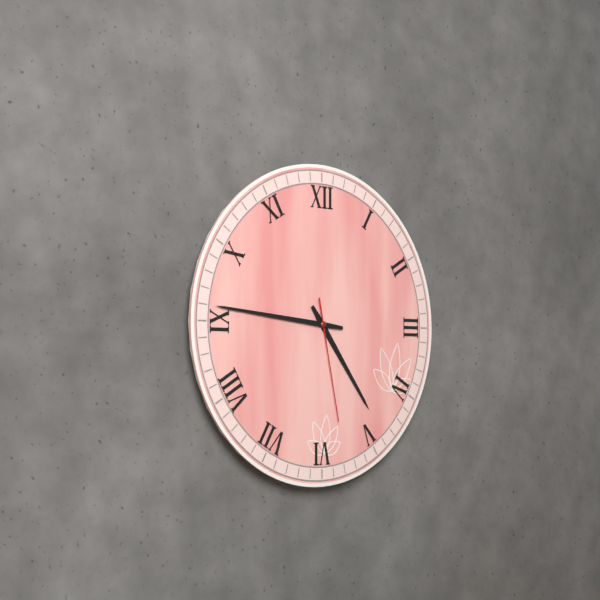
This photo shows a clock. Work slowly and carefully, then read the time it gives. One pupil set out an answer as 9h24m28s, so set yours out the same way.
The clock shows 4h46m28s
